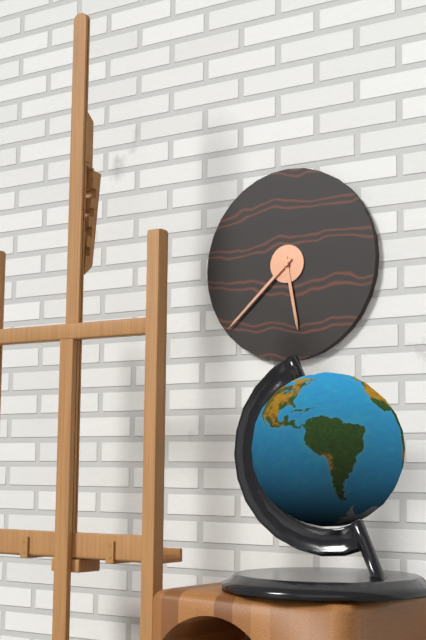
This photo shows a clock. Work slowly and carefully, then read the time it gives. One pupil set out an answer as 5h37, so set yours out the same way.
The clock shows 5h38
